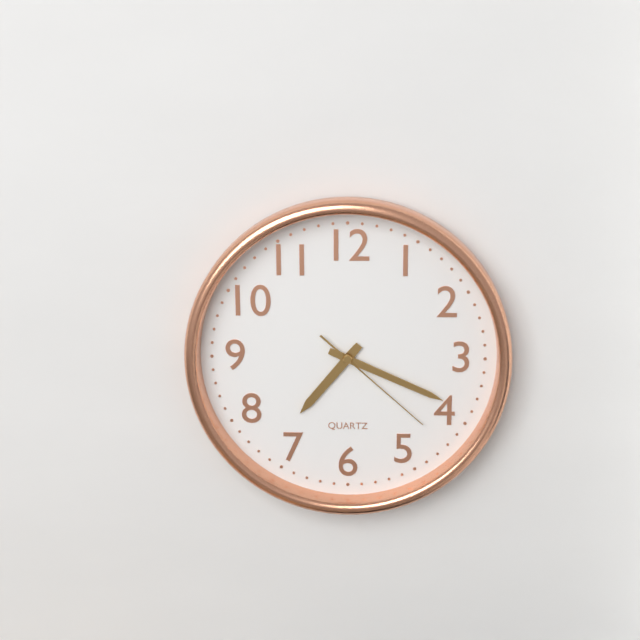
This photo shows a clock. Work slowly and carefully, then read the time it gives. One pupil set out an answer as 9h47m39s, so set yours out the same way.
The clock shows 7h19m22s
